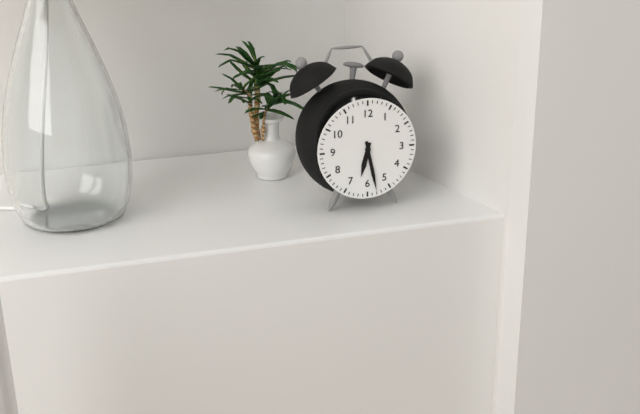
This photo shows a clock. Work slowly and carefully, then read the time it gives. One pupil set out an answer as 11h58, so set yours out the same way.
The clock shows 6h28
